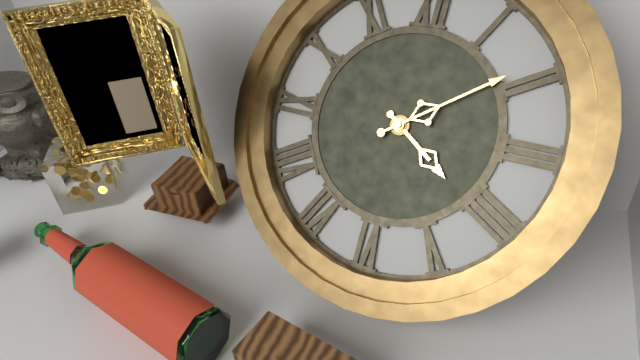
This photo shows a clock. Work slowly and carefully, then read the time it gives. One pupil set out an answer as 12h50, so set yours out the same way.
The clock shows 4h09
